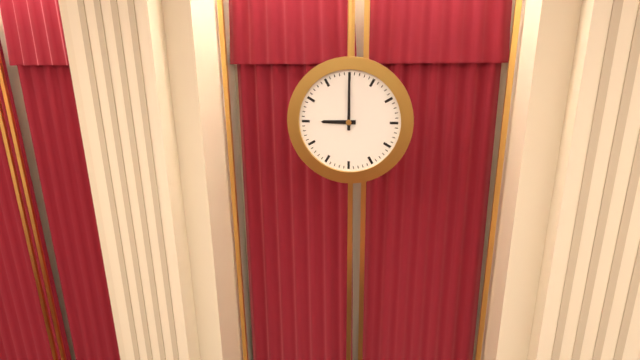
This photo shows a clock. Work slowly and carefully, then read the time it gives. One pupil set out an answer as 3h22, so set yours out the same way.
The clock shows 9h00
